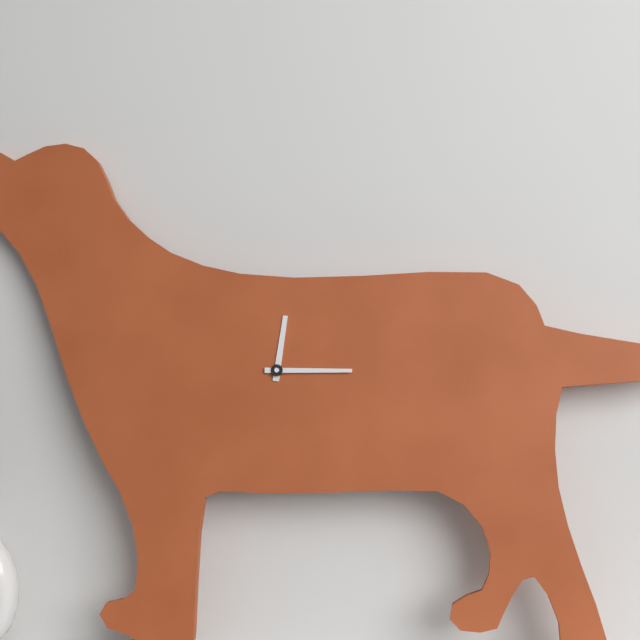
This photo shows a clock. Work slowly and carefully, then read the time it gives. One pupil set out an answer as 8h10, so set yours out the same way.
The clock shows 12h15
